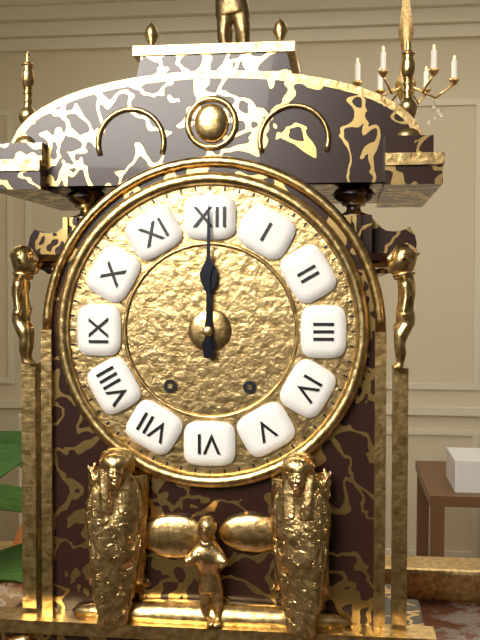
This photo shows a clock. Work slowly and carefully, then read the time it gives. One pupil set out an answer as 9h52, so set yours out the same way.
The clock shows 12h00
